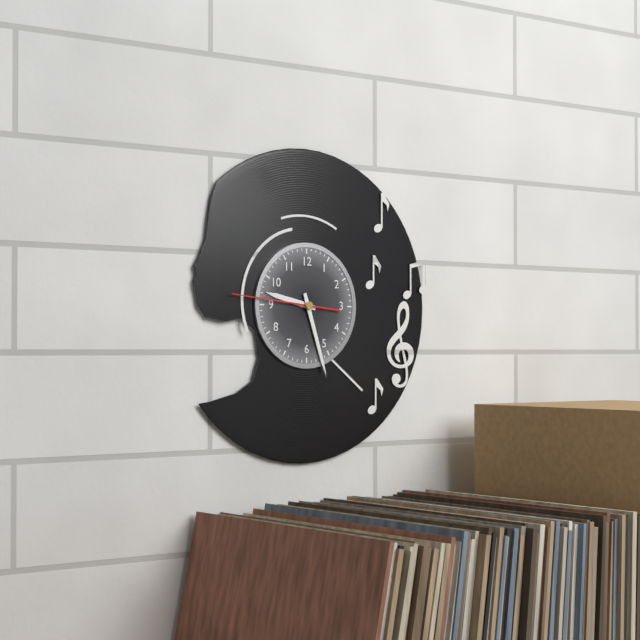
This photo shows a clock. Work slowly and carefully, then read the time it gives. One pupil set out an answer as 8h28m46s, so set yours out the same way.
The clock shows 9h27m46s
